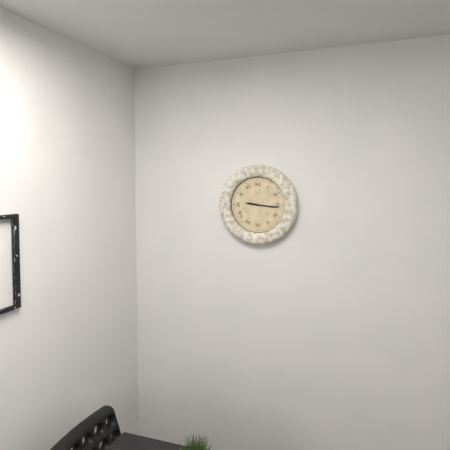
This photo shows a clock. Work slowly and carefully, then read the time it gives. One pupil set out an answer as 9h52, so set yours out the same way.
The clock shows 9h16
